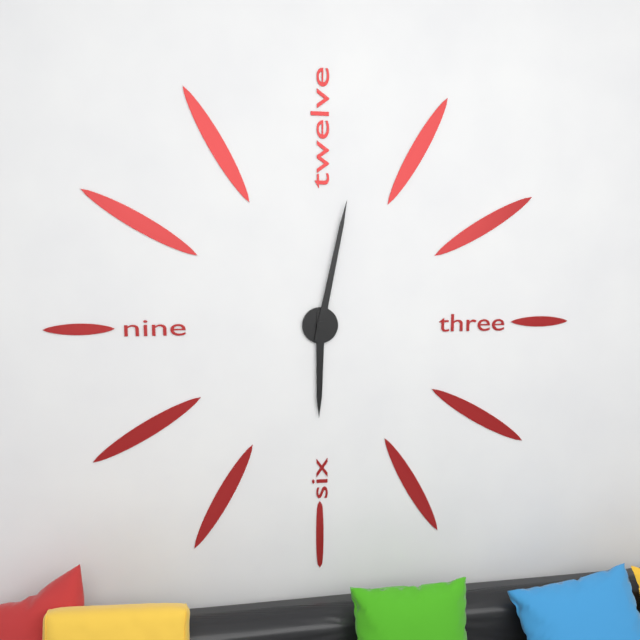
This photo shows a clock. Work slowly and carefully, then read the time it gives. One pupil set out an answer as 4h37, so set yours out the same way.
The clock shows 6h02
